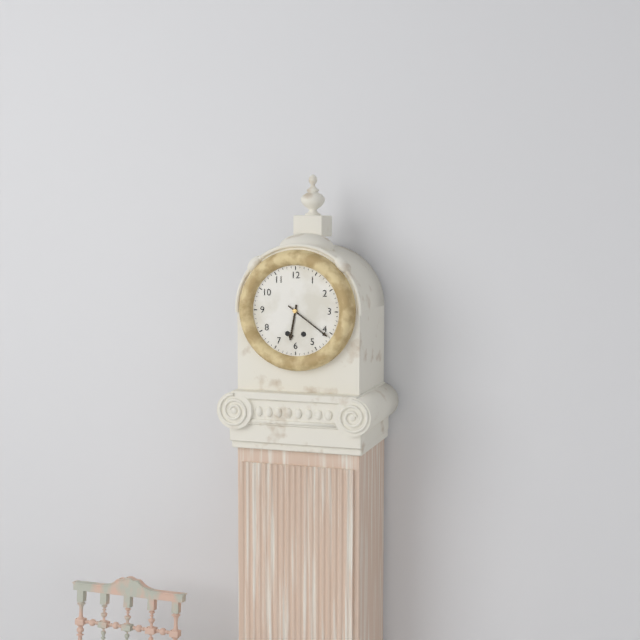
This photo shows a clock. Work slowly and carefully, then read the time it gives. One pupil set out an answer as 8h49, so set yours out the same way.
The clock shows 6h21
